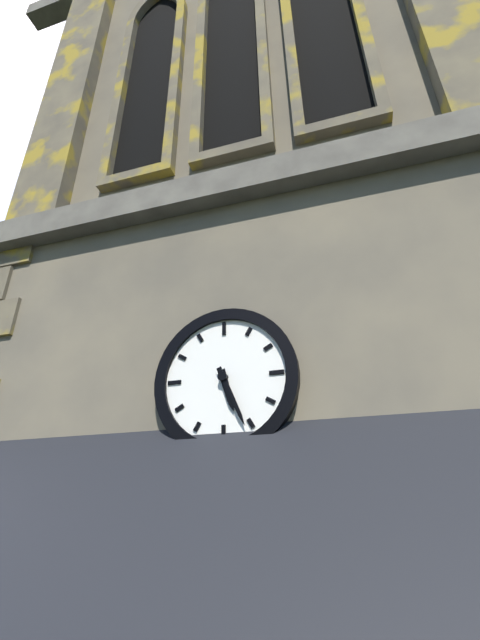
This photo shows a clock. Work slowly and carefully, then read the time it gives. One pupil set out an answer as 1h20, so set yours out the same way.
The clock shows 5h26
